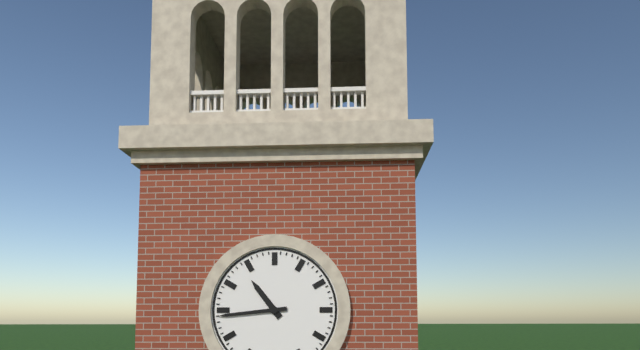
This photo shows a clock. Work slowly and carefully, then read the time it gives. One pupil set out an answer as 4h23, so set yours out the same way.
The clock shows 10h44
